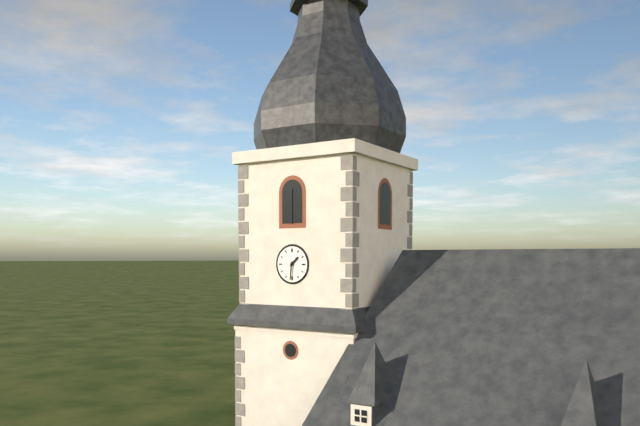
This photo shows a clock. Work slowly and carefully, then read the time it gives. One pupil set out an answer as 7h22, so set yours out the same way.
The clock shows 1h31
